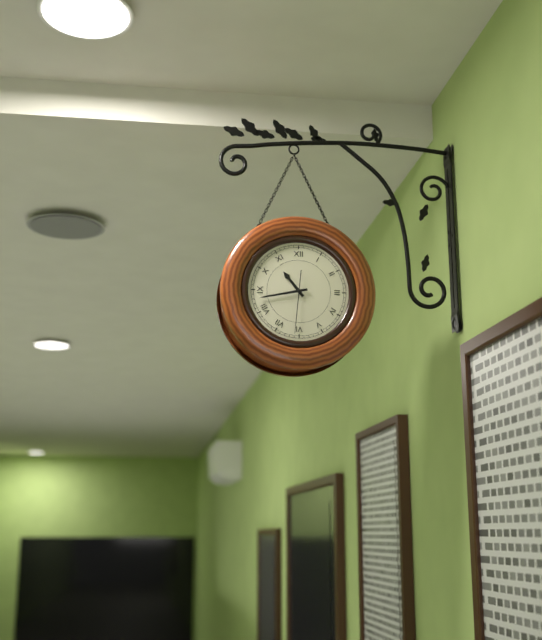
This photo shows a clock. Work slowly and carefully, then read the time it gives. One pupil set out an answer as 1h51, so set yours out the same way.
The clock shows 10h43
